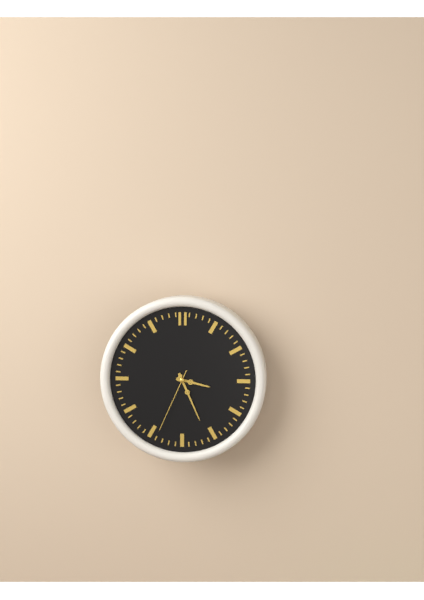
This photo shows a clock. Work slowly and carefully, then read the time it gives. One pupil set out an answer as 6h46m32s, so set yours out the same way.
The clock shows 3h26m34s
